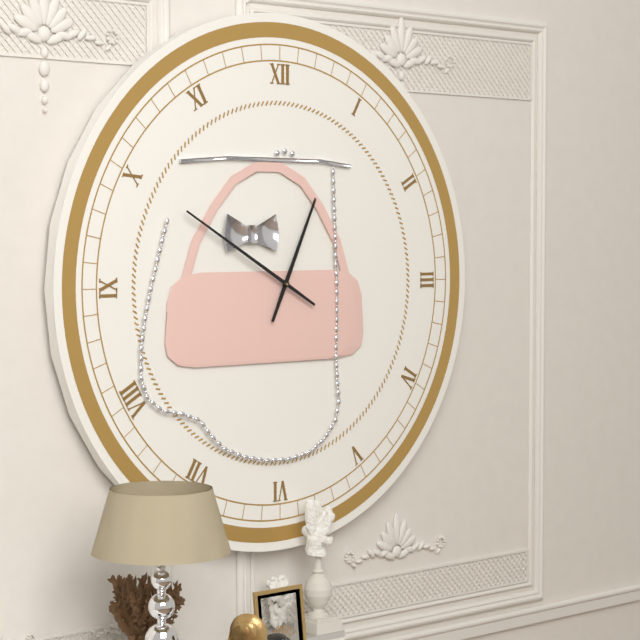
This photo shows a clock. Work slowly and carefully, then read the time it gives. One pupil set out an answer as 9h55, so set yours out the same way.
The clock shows 12h50
